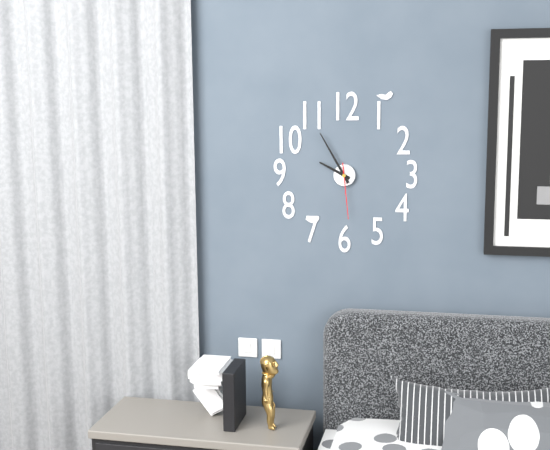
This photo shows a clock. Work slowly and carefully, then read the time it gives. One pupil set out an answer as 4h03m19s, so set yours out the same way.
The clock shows 9h55m29s
